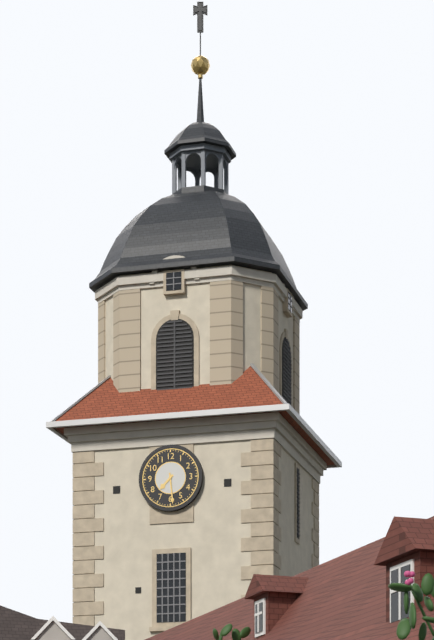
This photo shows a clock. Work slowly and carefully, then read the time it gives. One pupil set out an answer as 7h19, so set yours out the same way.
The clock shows 7h29
